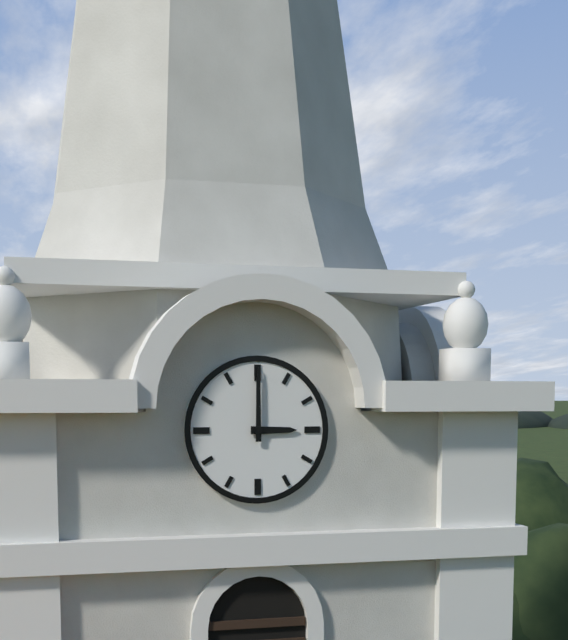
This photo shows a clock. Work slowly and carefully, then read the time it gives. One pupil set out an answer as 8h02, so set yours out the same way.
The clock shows 3h00
